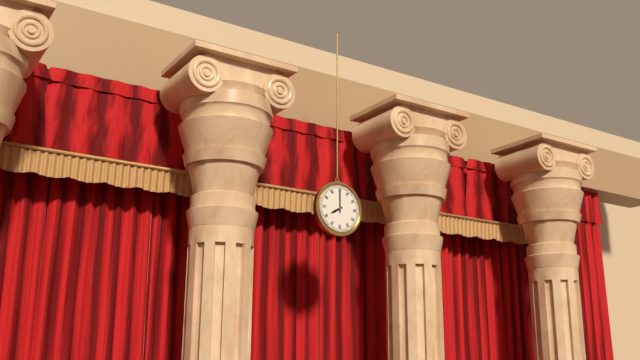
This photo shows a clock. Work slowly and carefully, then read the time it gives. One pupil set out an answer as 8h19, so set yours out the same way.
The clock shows 8h00
